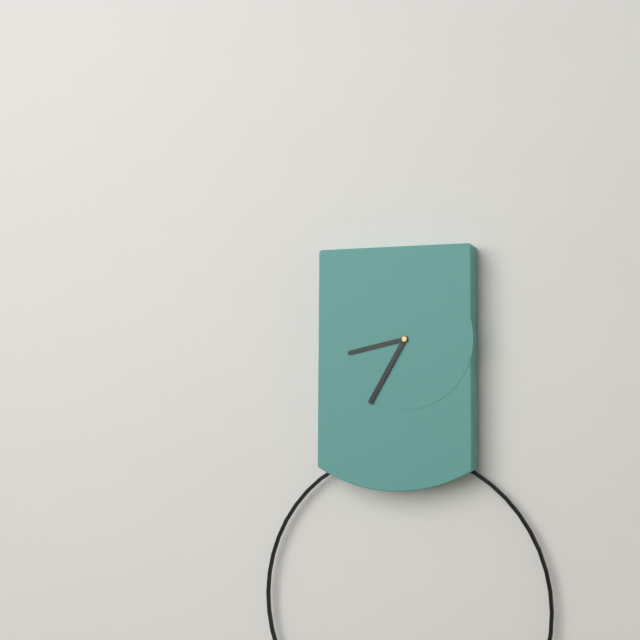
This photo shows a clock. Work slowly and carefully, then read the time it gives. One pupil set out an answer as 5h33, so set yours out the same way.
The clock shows 8h35
